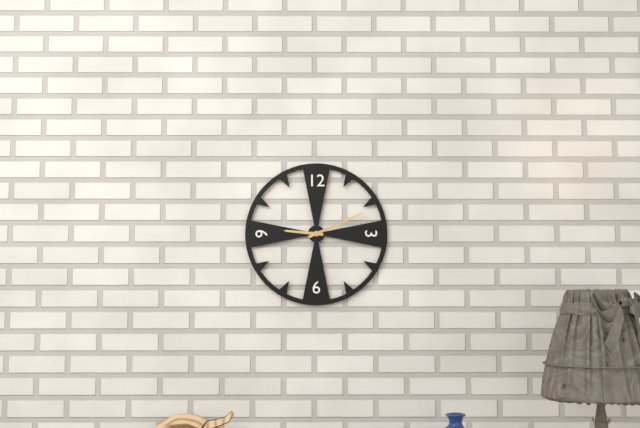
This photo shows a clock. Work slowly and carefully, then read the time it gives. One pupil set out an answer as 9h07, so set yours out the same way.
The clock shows 9h11
